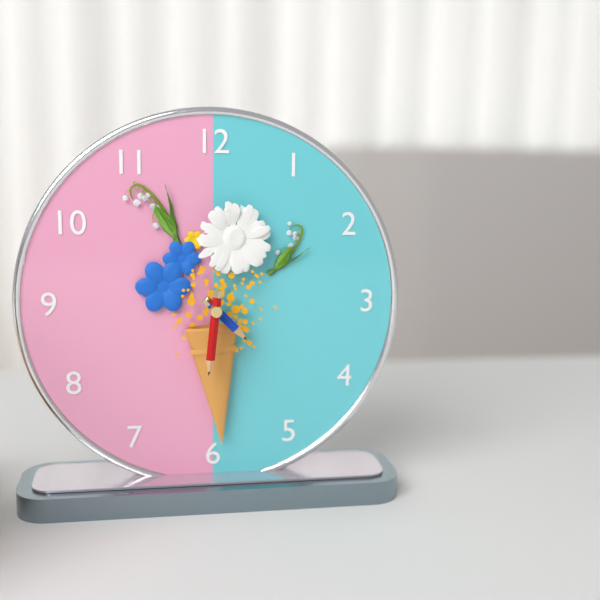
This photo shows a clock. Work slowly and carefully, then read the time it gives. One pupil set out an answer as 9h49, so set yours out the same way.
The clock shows 4h31
